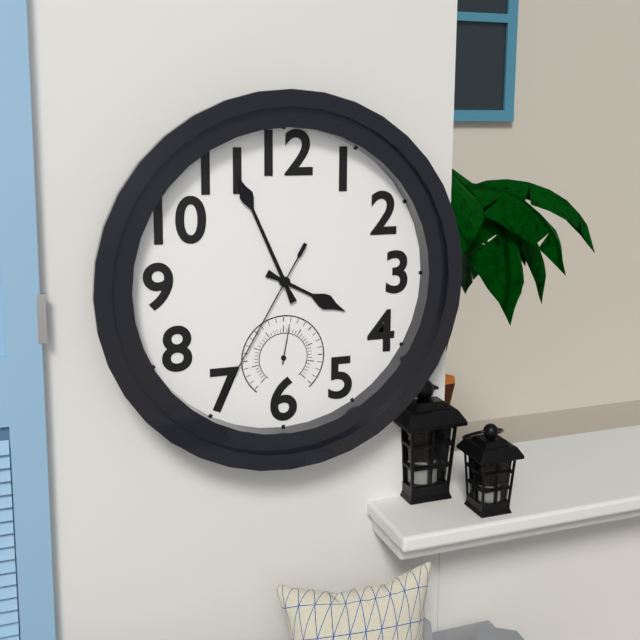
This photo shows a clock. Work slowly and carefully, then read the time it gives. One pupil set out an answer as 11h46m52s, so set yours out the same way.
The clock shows 3h56m35s
